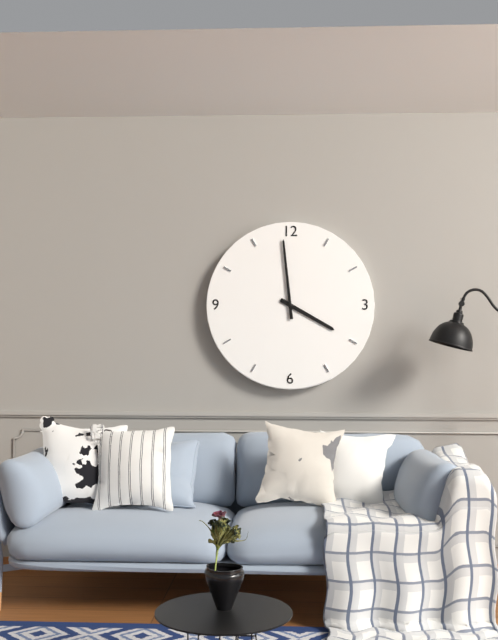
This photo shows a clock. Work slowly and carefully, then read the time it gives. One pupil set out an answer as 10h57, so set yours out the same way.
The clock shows 3h59
